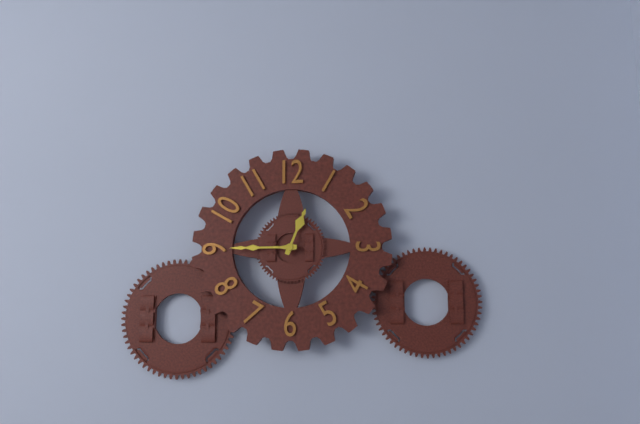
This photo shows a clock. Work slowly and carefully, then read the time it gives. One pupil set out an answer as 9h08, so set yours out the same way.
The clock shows 12h45
